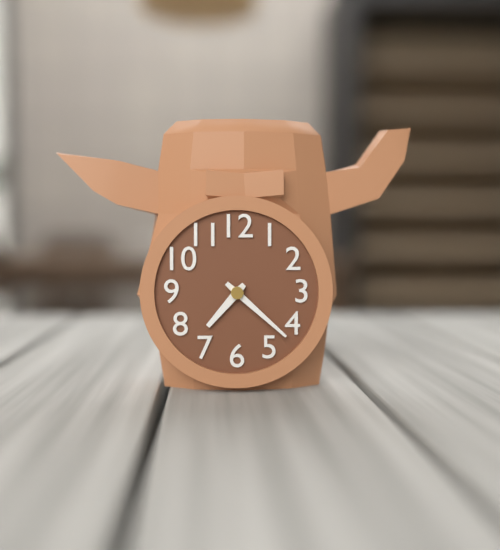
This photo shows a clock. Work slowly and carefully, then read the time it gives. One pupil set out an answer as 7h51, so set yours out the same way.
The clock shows 7h22
